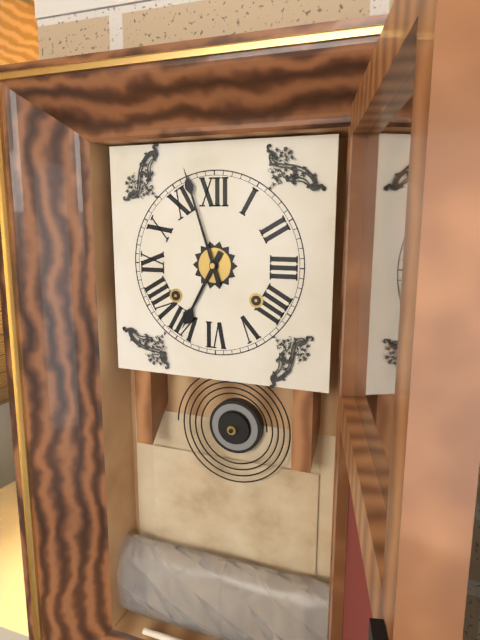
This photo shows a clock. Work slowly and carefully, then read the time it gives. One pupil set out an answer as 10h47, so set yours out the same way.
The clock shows 6h57
